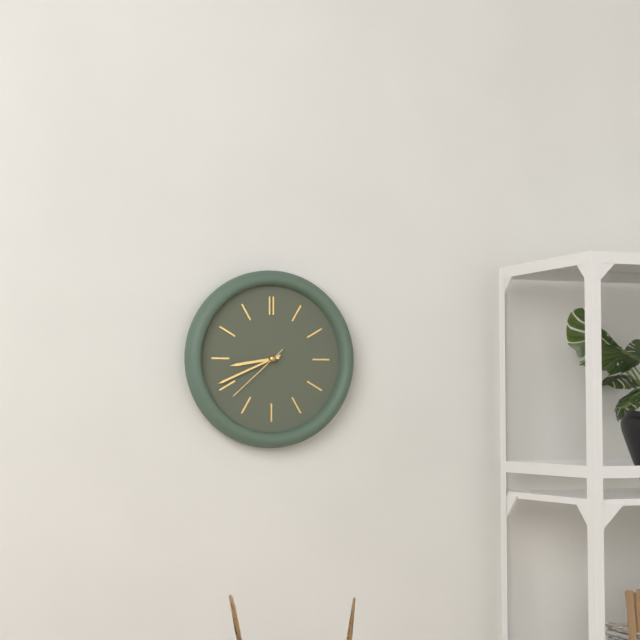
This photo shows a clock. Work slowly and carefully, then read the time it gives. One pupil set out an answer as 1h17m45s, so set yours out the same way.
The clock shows 8h41m38s
